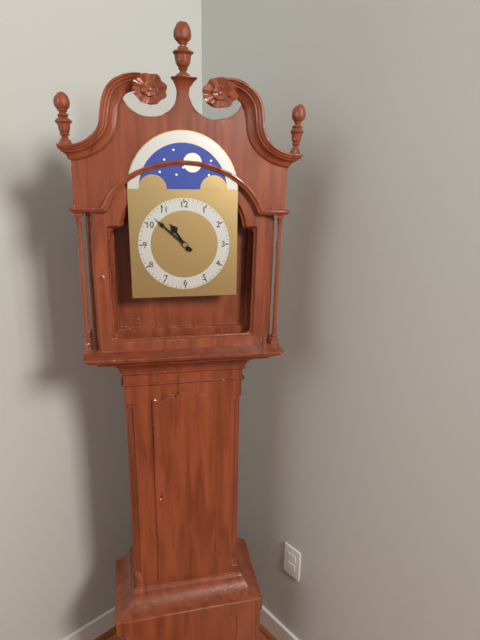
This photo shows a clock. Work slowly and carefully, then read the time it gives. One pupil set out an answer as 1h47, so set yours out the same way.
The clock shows 10h52
